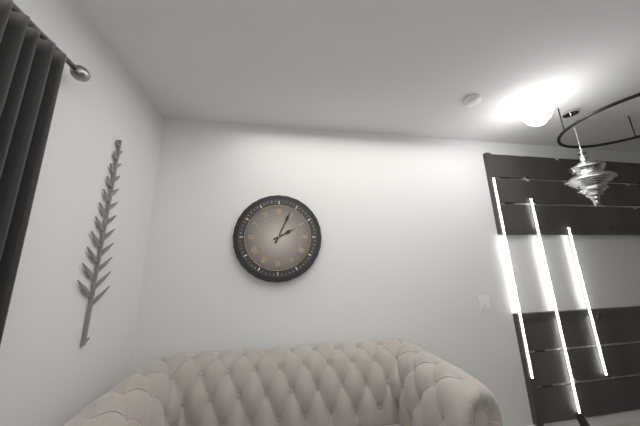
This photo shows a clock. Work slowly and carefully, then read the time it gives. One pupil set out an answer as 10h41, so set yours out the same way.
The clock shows 2h04
